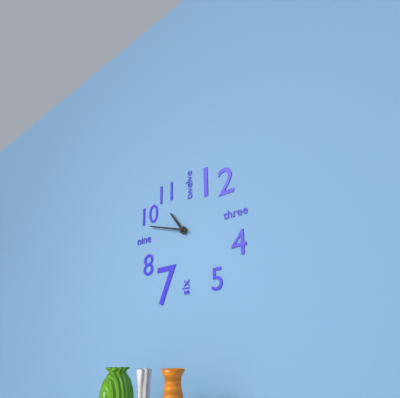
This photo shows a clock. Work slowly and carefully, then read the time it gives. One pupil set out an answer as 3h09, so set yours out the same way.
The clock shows 10h48
